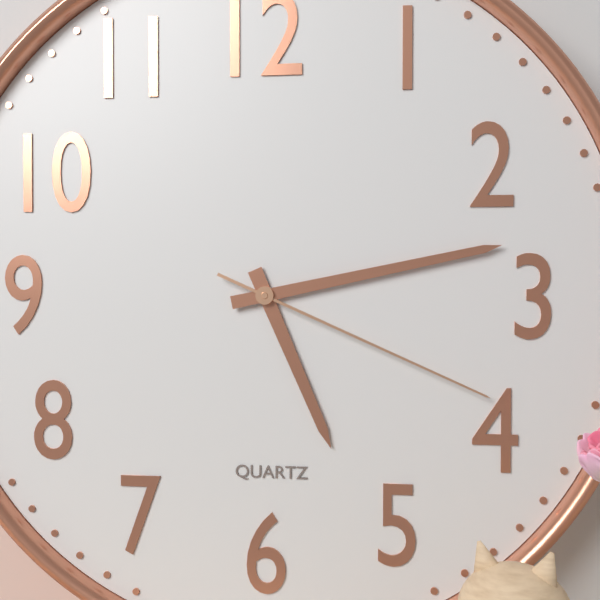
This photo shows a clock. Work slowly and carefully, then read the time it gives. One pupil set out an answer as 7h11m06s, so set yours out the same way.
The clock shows 5h13m19s
